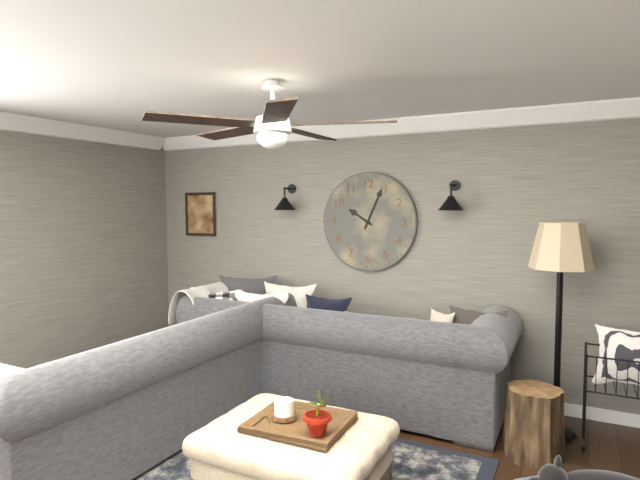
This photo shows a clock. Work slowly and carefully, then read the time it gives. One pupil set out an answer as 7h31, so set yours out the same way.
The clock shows 10h04
